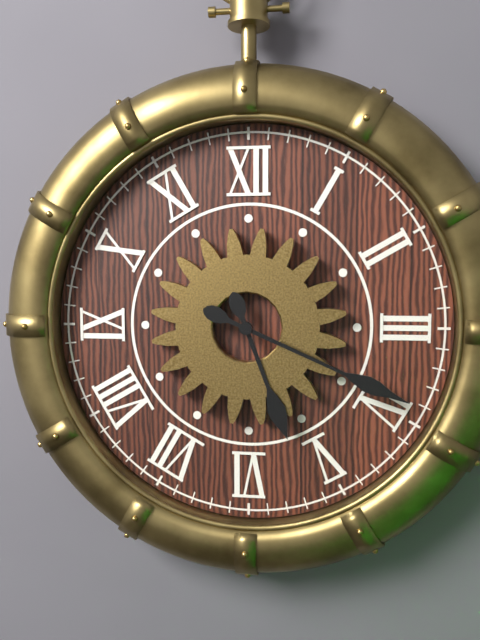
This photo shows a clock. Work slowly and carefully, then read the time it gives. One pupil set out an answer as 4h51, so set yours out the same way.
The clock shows 5h19
